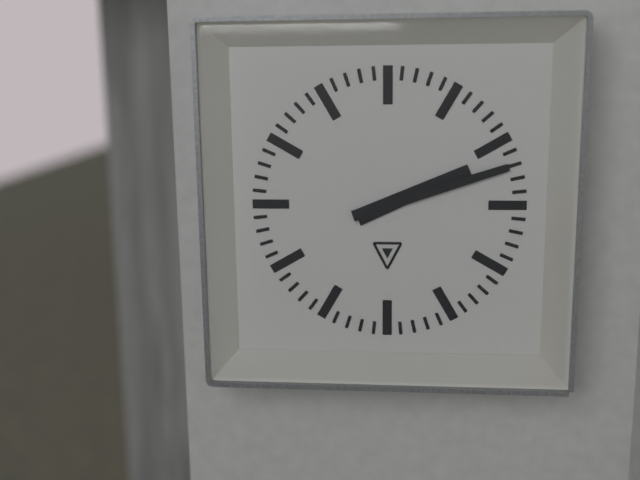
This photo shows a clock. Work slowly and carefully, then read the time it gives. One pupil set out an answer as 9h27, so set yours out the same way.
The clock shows 2h12
